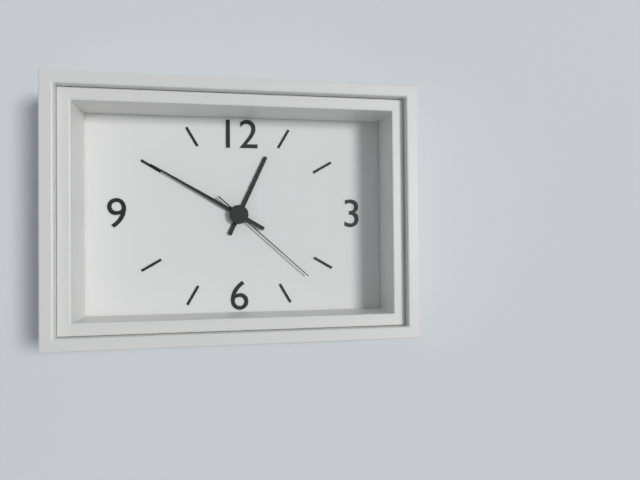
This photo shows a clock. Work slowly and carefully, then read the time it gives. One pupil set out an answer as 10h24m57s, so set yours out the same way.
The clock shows 12h50m22s
